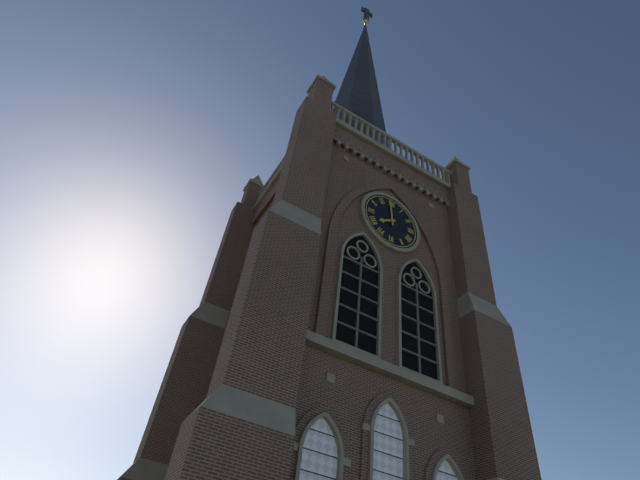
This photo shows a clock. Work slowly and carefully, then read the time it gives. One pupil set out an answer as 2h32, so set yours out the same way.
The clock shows 7h59
